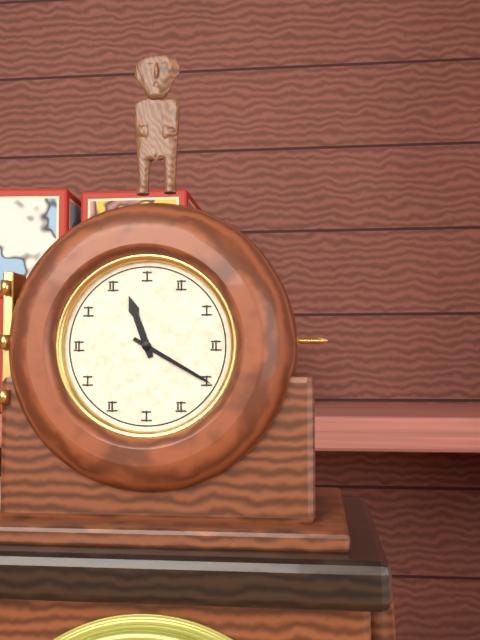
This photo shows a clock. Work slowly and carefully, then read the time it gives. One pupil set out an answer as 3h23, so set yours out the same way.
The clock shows 11h20
